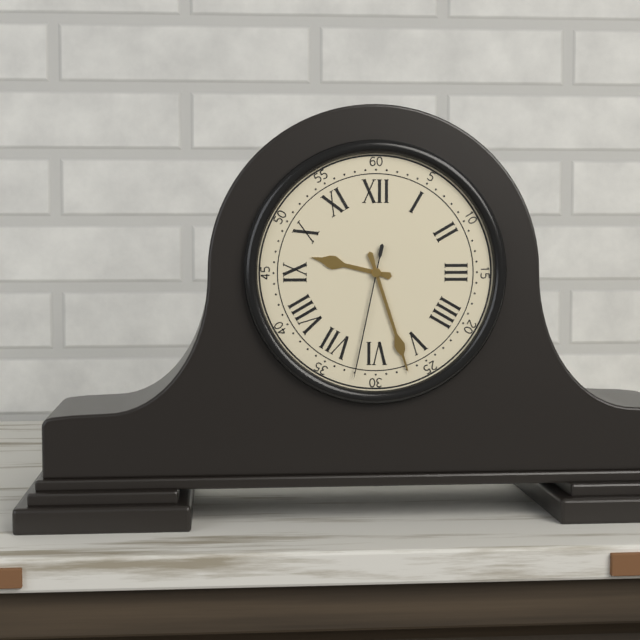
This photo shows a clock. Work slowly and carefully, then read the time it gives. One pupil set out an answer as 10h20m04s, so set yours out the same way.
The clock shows 9h27m32s
